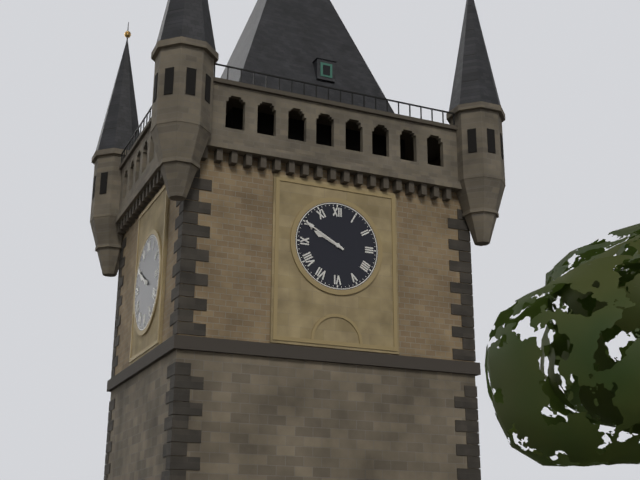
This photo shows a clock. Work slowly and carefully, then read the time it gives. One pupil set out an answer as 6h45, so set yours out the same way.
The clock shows 9h50
